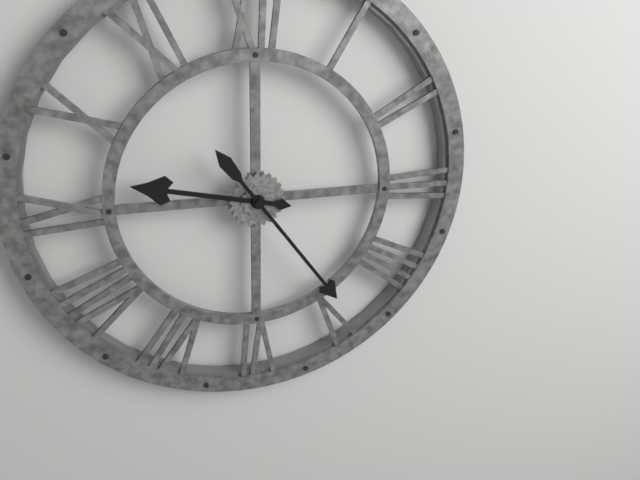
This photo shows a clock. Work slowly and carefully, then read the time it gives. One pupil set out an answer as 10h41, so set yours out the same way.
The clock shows 9h24
